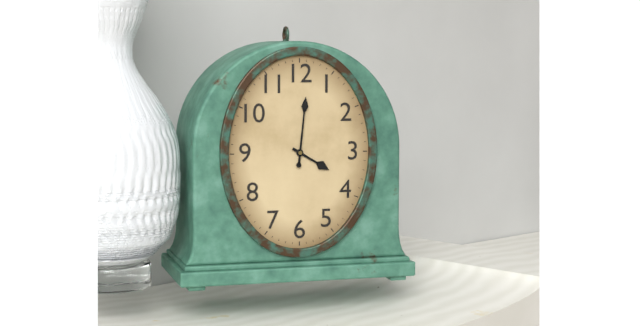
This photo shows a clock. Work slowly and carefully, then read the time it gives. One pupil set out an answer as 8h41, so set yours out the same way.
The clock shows 4h01
